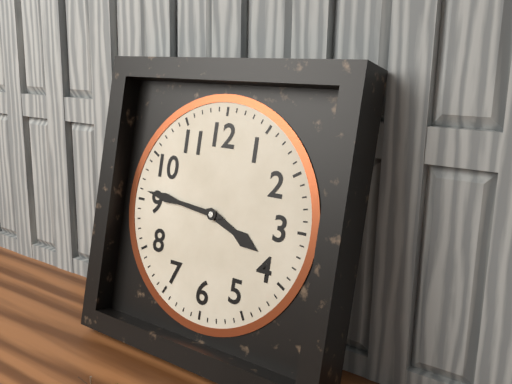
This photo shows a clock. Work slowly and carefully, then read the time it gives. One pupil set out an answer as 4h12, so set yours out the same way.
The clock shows 3h46
